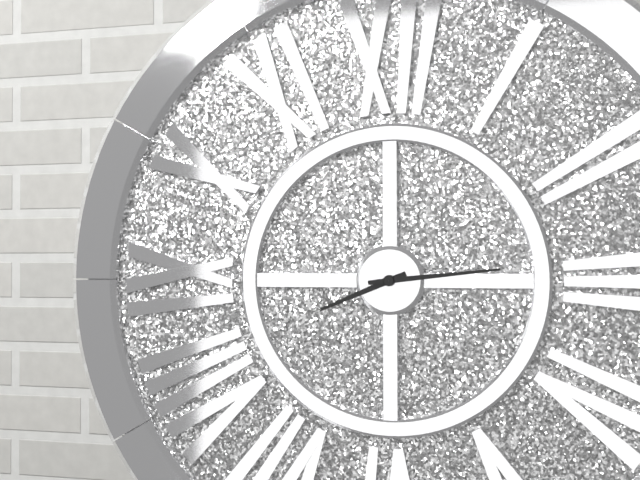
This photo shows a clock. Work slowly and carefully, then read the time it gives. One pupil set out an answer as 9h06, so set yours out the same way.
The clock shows 8h14
